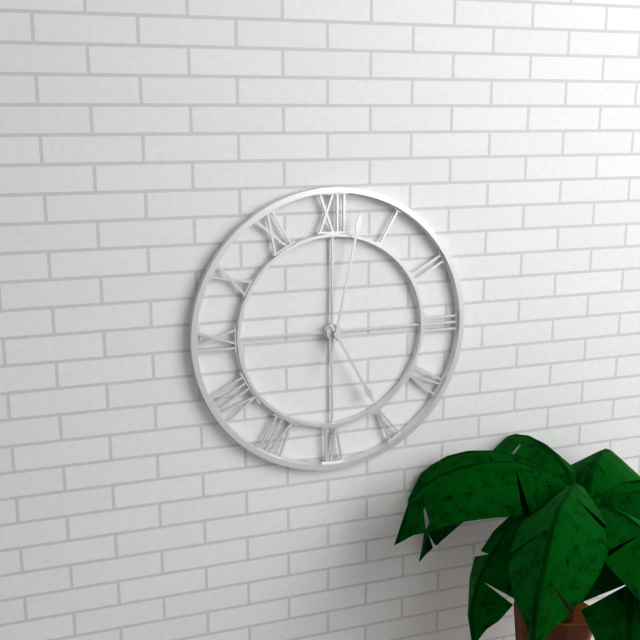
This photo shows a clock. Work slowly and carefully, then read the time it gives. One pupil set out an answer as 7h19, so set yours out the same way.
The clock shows 5h02
